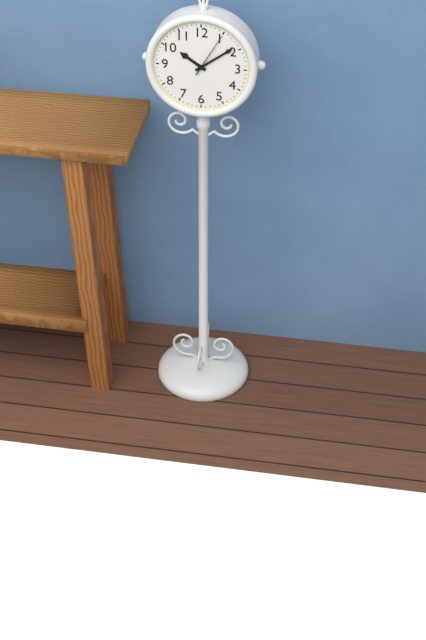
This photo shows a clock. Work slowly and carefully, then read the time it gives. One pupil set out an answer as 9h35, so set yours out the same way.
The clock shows 10h09
